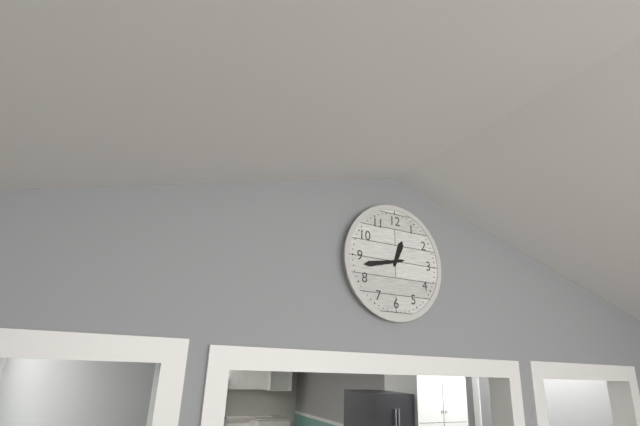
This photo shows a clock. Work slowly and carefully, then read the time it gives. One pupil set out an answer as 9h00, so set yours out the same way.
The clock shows 12h43
